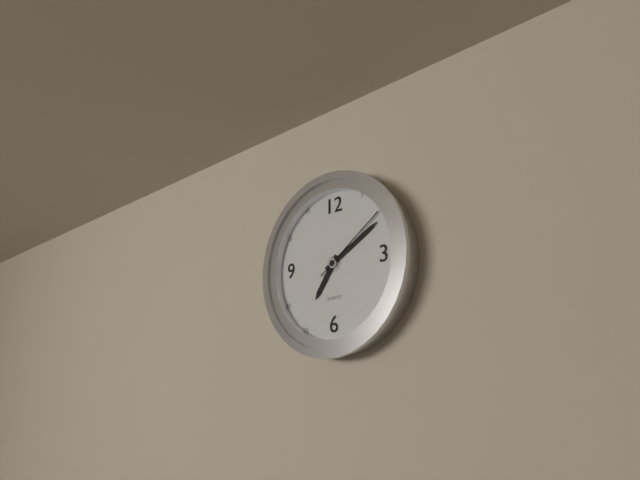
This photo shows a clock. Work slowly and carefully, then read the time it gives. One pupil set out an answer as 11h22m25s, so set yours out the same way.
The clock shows 7h10m09s
